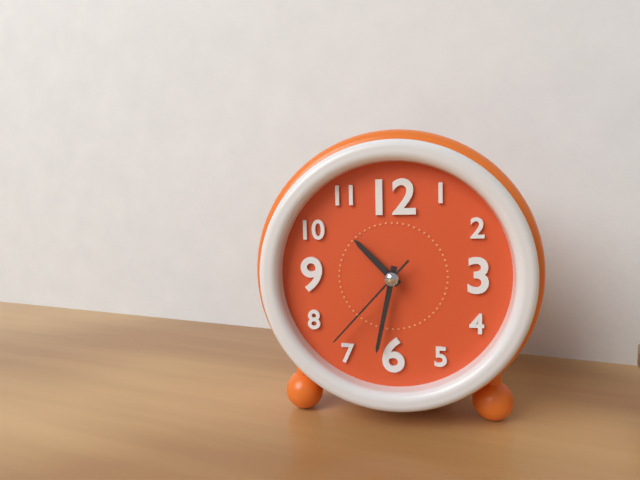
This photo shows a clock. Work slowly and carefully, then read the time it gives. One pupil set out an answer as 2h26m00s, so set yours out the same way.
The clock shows 10h32m37s
